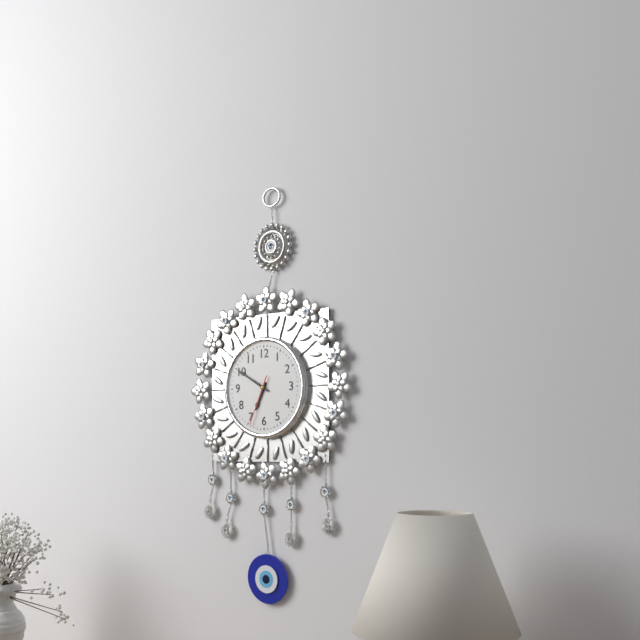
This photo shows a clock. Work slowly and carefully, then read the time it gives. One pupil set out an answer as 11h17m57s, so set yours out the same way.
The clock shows 6h50m34s
